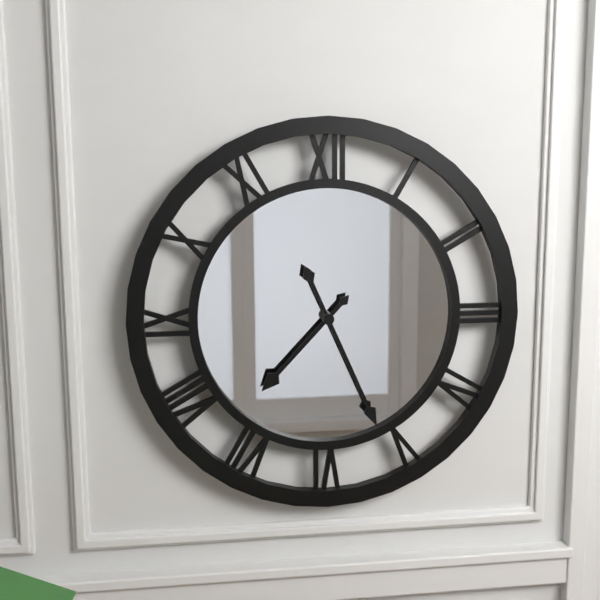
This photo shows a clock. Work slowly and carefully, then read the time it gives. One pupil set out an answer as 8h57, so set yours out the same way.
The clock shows 7h26
